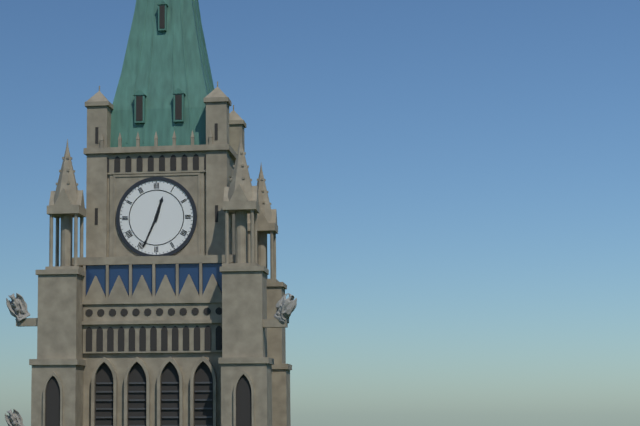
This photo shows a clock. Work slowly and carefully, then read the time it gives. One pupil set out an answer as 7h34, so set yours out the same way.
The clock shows 12h34
